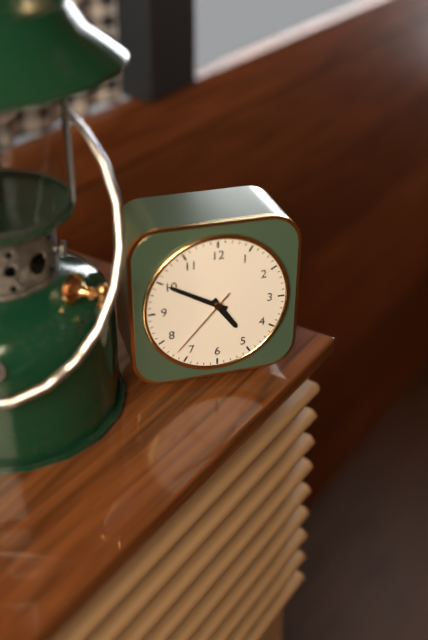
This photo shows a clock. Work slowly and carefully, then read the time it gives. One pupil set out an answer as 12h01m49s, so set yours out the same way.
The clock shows 4h50m37s
